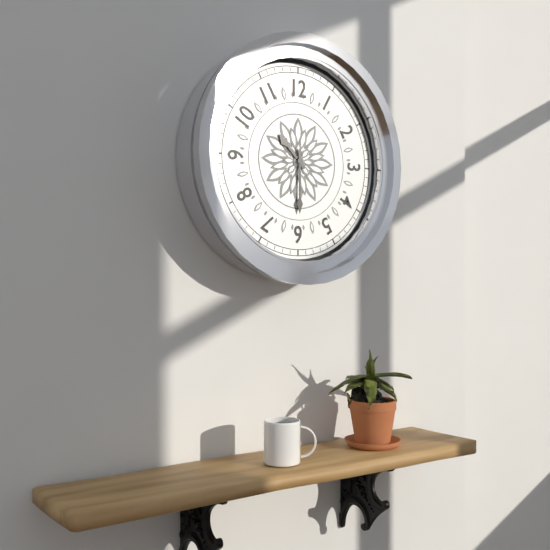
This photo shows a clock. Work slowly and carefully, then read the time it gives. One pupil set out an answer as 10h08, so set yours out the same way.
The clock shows 10h30
